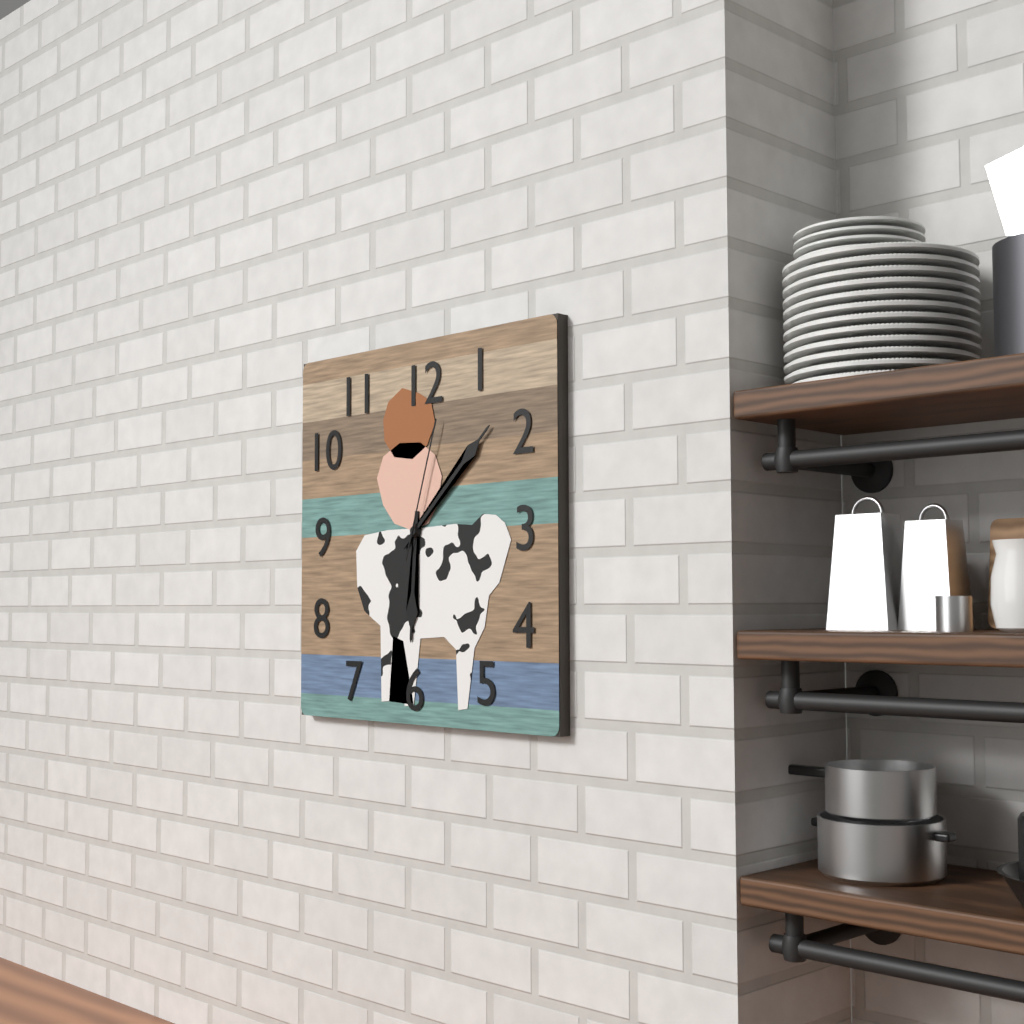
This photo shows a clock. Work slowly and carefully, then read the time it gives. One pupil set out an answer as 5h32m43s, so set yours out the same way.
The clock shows 6h08m03s
